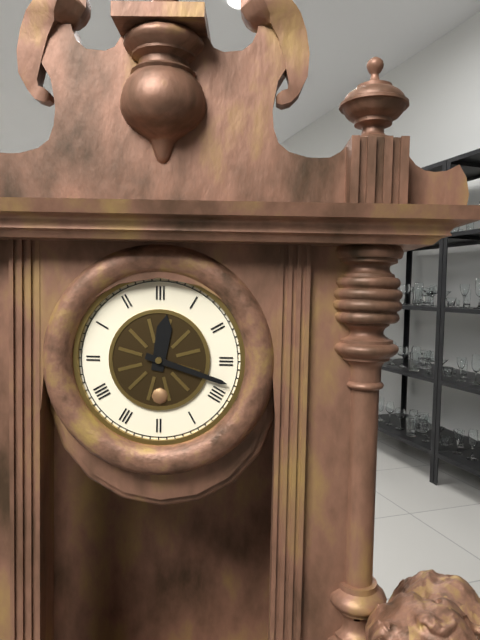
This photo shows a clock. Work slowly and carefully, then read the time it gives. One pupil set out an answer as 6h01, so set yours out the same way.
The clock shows 12h18
